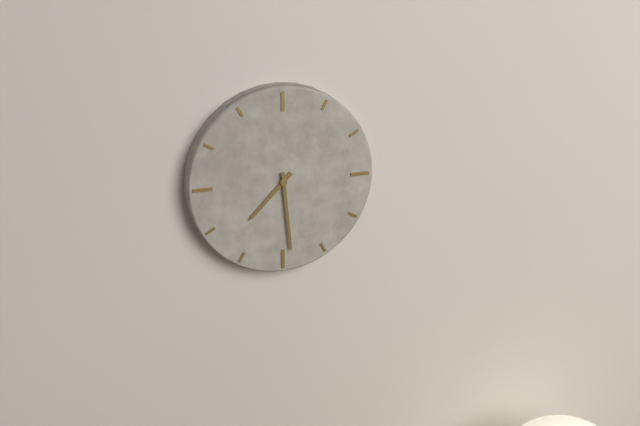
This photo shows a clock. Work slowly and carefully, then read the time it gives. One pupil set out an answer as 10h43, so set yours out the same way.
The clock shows 7h29
